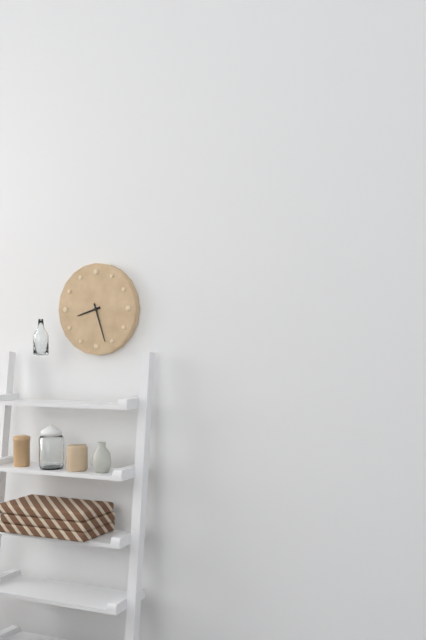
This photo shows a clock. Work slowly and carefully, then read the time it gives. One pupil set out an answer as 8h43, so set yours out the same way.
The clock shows 8h27
